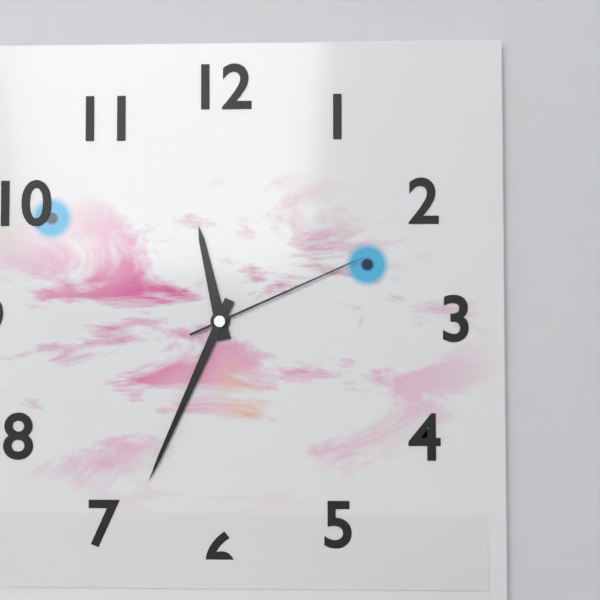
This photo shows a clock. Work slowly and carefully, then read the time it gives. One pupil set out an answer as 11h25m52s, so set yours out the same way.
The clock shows 11h34m11s
